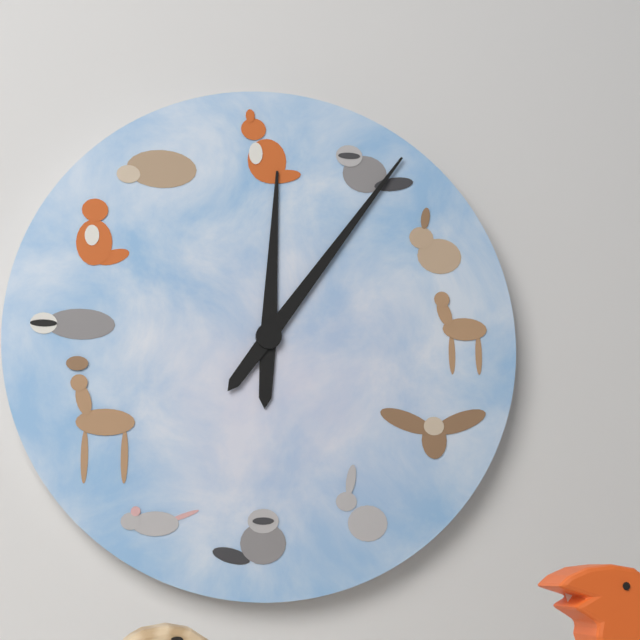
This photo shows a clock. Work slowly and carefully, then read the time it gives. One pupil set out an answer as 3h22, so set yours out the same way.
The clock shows 12h06
